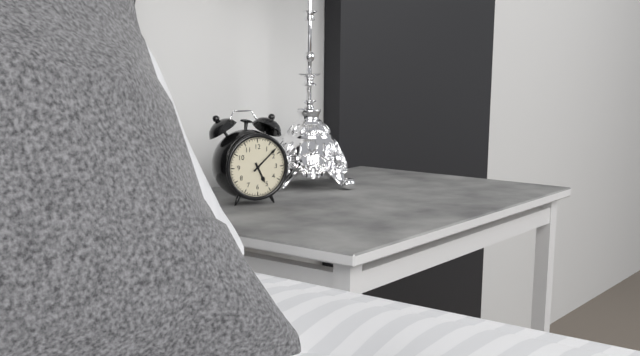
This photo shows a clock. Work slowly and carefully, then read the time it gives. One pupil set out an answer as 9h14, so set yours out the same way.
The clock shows 5h08
